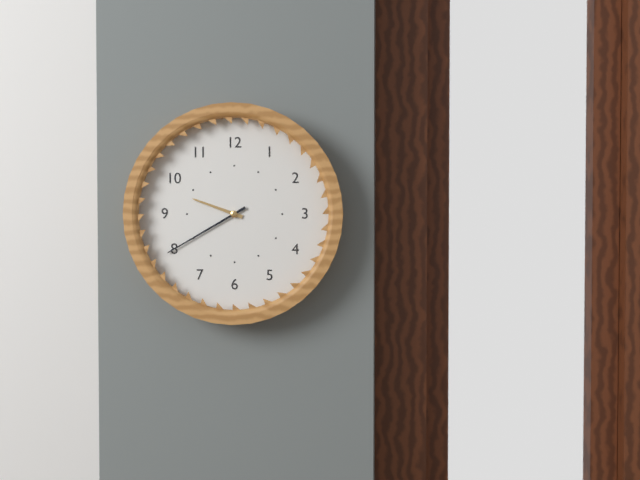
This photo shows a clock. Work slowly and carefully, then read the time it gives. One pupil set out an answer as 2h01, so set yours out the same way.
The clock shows 9h40
